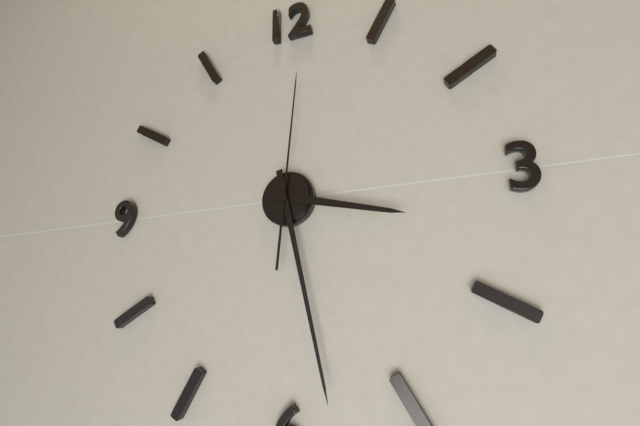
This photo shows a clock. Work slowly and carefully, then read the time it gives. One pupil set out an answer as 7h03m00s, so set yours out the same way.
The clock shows 3h28m01s
